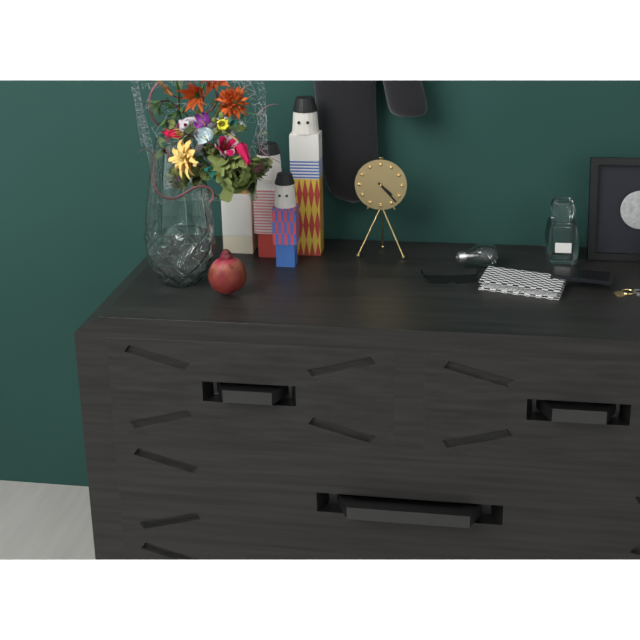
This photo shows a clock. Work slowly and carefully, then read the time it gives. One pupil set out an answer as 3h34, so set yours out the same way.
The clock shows 4h23
